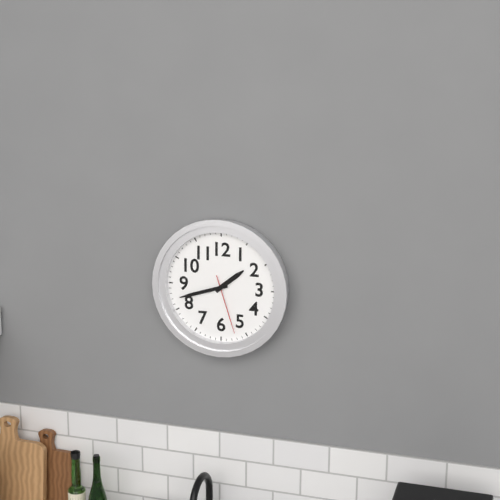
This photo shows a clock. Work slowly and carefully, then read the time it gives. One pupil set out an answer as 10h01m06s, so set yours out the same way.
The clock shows 1h42m27s
